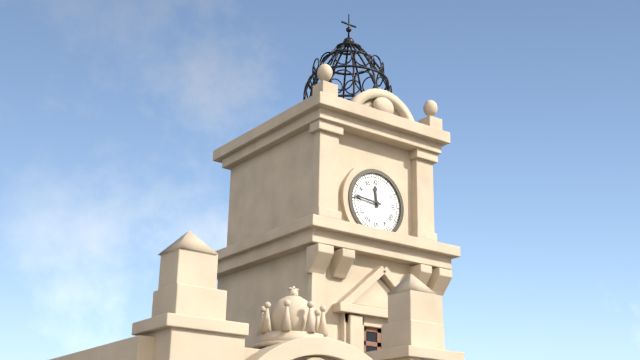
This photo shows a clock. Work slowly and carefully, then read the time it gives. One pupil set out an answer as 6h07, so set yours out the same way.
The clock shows 11h46
